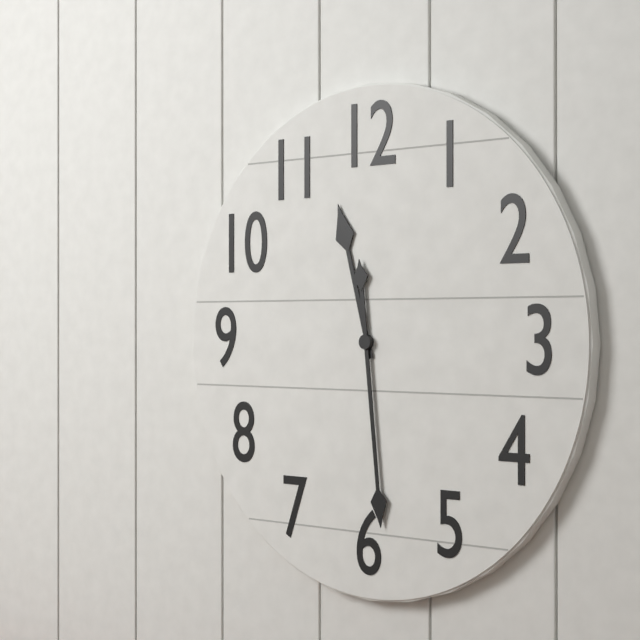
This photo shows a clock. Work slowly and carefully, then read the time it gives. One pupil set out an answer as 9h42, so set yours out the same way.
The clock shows 11h29
